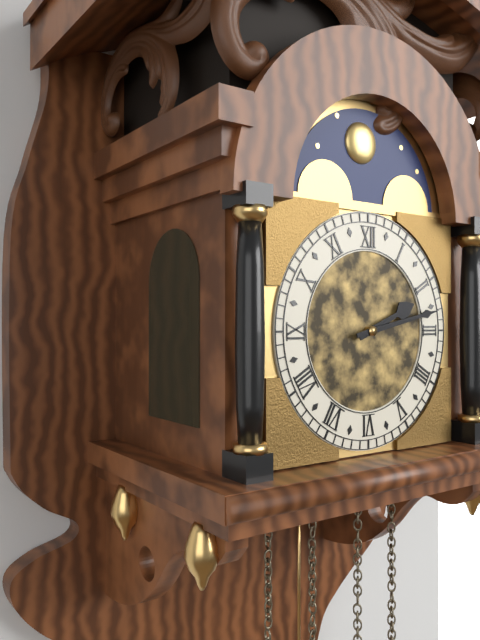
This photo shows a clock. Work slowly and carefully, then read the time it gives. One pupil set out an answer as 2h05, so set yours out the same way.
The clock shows 2h13
